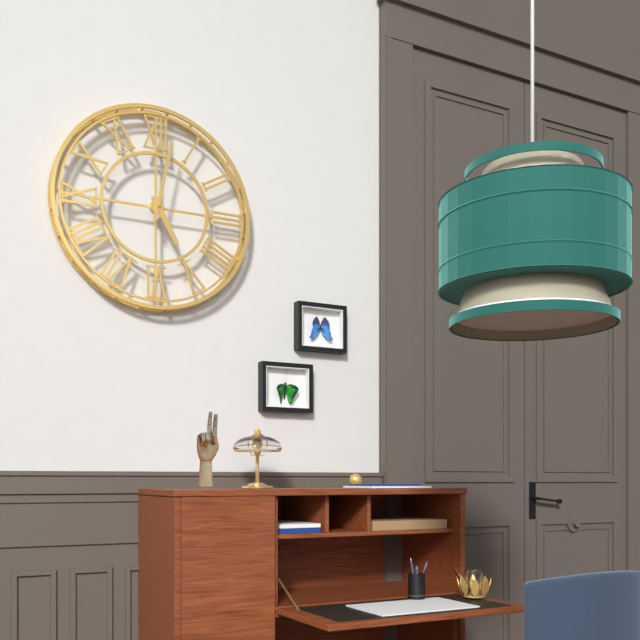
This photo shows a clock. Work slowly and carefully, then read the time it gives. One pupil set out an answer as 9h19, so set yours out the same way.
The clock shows 5h02
